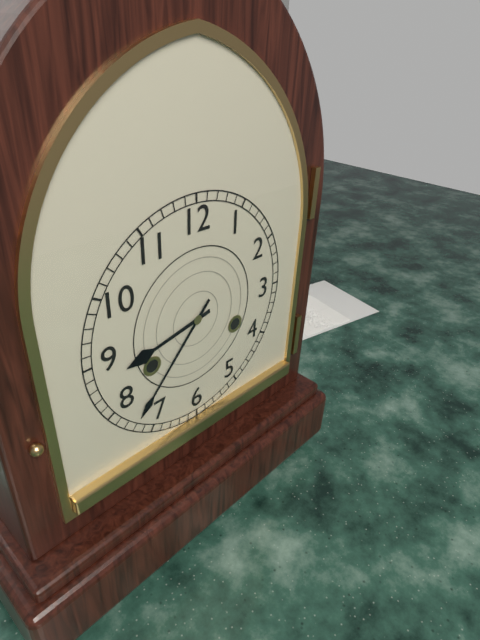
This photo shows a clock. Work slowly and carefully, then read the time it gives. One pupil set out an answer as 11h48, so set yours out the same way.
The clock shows 8h37
